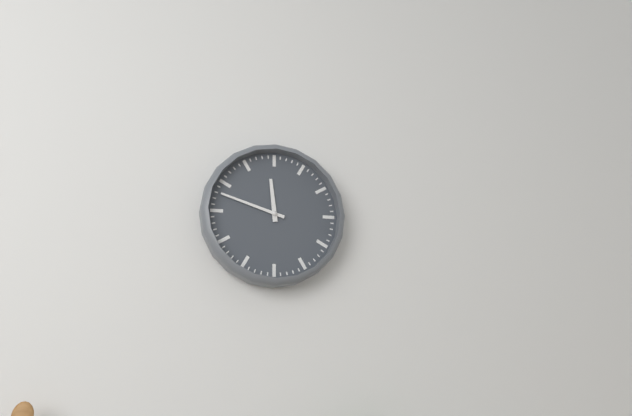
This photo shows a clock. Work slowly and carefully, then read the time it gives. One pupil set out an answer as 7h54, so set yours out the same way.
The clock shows 11h48
